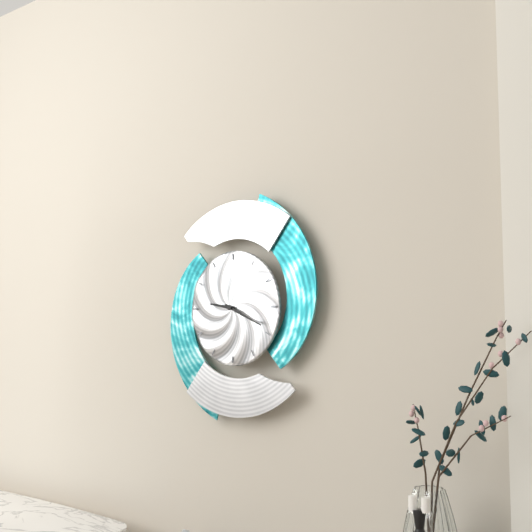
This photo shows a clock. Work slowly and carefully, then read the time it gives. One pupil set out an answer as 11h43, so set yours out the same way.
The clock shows 9h19
